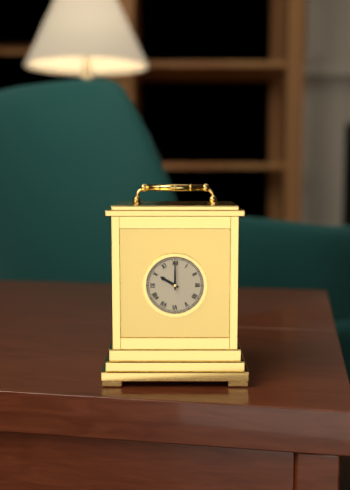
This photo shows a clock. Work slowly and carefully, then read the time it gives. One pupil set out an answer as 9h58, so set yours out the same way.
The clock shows 10h00
